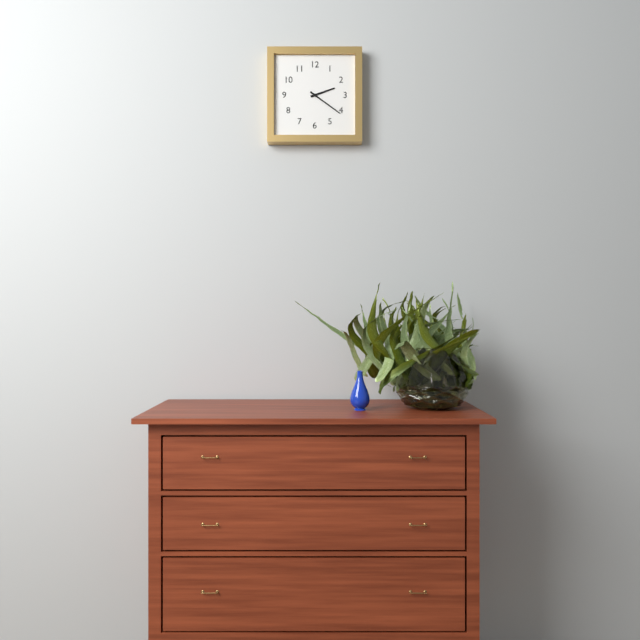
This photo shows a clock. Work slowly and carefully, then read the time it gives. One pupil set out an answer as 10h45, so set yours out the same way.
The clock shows 2h21
